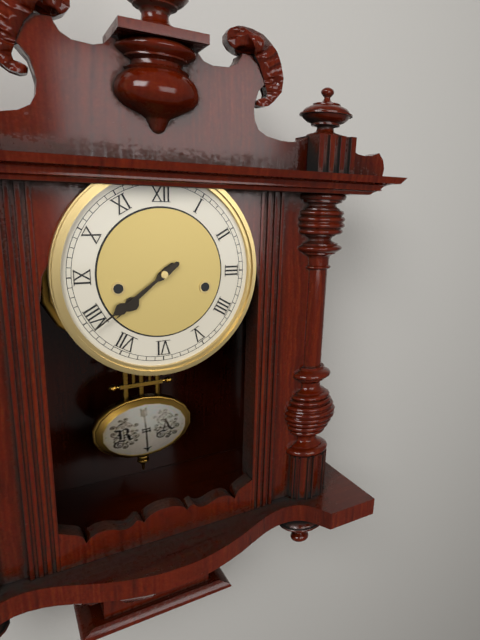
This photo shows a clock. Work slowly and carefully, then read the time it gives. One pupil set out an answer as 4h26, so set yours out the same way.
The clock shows 7h39
